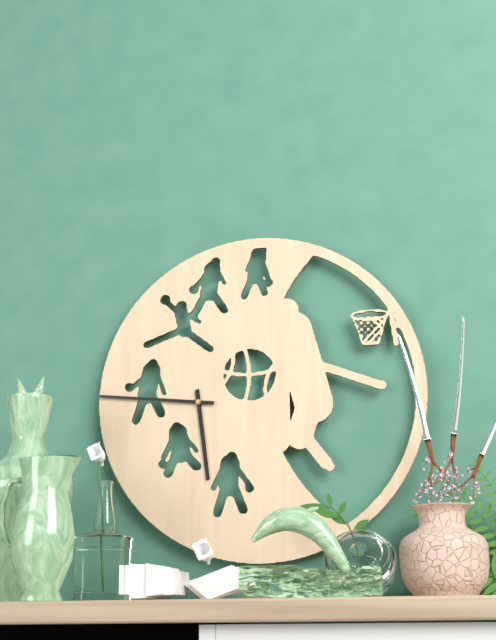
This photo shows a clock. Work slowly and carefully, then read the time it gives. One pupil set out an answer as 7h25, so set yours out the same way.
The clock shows 5h46
